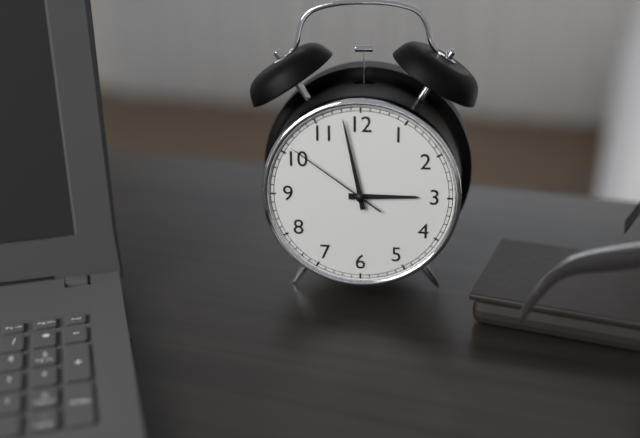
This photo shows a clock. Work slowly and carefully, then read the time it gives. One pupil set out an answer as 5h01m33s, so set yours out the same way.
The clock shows 2h58m51s
